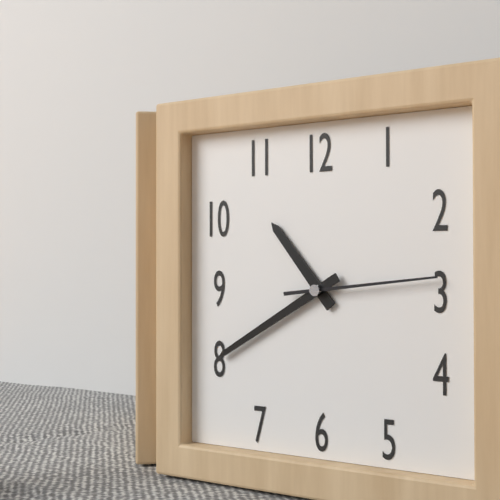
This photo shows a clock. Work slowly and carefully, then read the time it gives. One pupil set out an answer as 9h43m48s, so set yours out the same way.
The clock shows 10h40m14s
